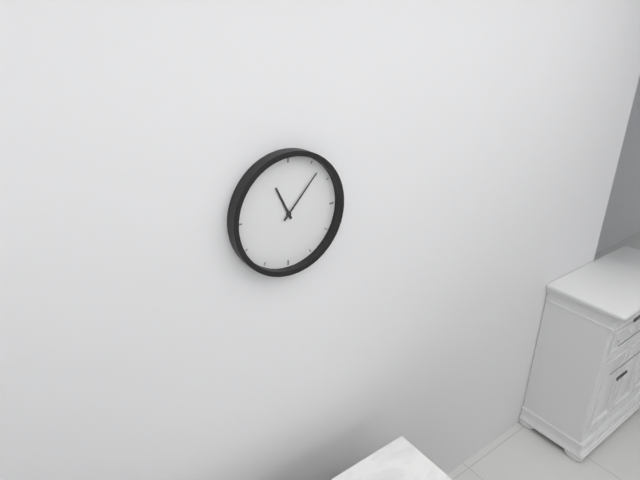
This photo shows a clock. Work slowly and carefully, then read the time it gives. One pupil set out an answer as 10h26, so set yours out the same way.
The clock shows 11h07
